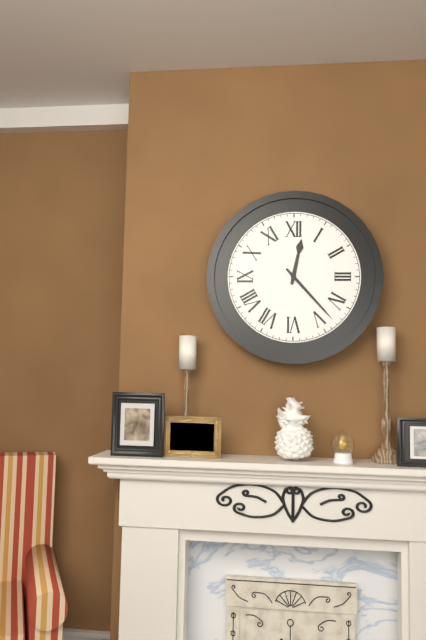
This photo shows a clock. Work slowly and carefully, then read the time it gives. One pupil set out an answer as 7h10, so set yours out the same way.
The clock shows 12h23
